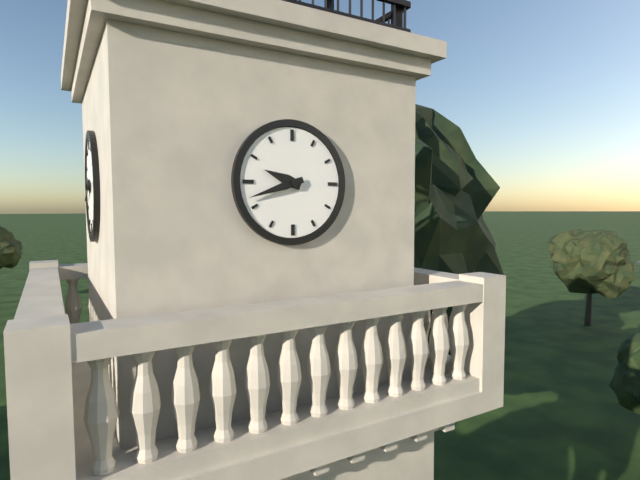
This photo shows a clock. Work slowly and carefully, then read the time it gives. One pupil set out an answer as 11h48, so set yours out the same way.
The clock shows 9h42
